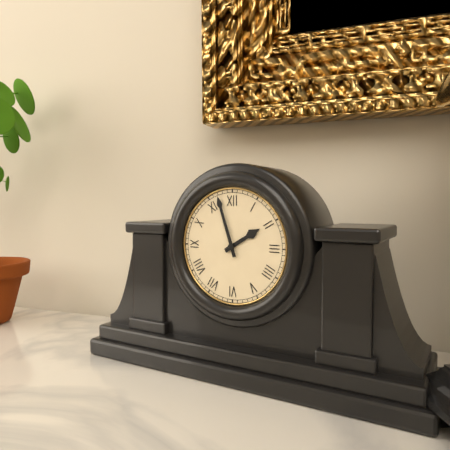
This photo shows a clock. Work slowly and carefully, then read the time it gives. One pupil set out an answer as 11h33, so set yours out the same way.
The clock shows 1h57
